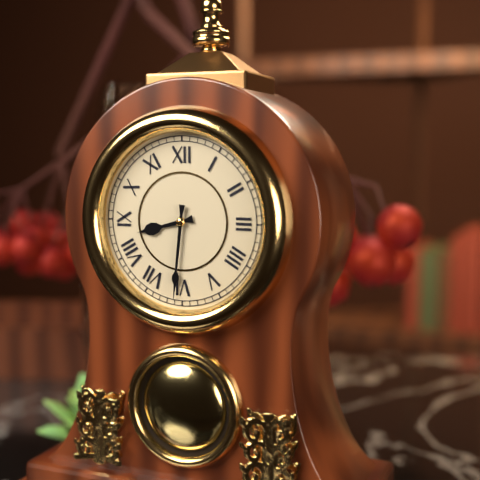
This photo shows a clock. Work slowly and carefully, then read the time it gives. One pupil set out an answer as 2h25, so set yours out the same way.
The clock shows 8h31
